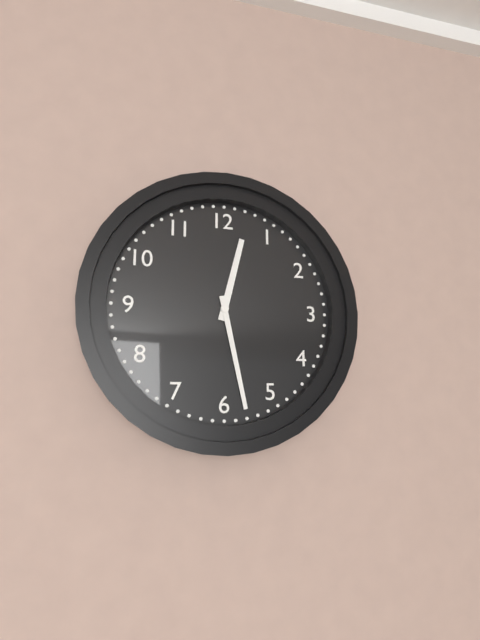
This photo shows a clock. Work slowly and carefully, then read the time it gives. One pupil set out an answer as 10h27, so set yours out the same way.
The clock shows 12h28
